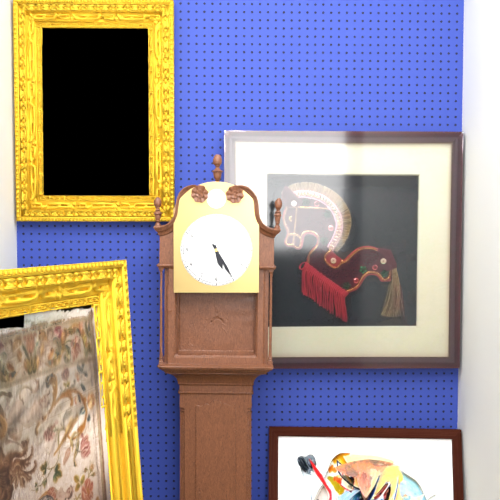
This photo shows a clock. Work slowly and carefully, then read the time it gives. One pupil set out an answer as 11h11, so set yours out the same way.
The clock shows 5h25
